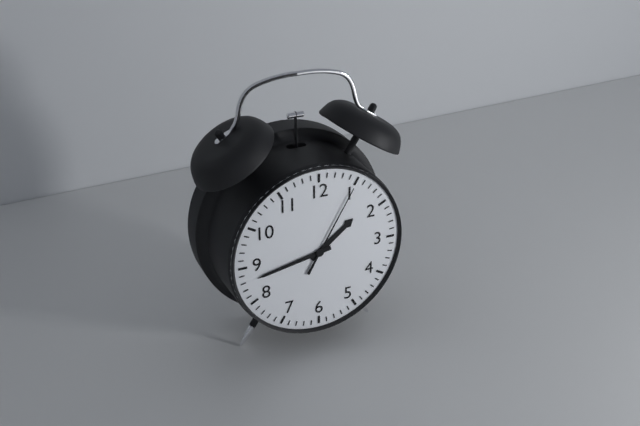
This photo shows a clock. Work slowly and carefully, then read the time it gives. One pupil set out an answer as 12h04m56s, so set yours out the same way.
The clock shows 1h43m05s
